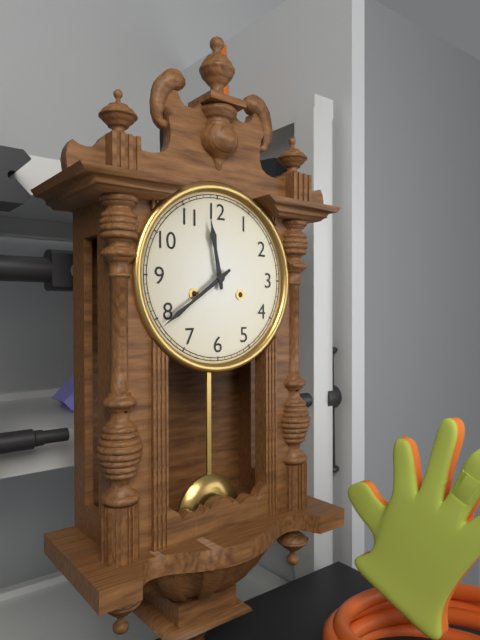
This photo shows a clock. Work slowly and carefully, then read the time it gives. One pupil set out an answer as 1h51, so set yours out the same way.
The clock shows 11h39
